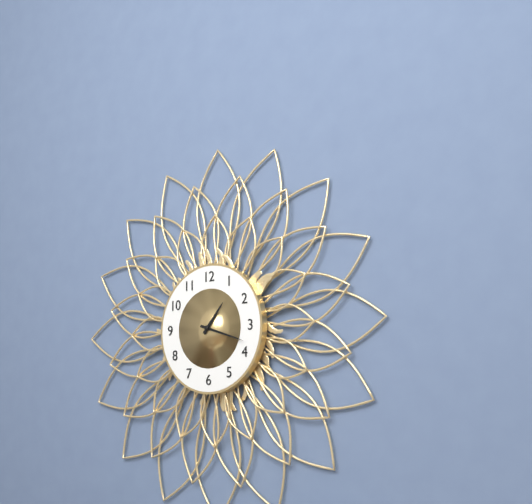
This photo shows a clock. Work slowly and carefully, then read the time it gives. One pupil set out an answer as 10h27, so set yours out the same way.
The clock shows 1h18
